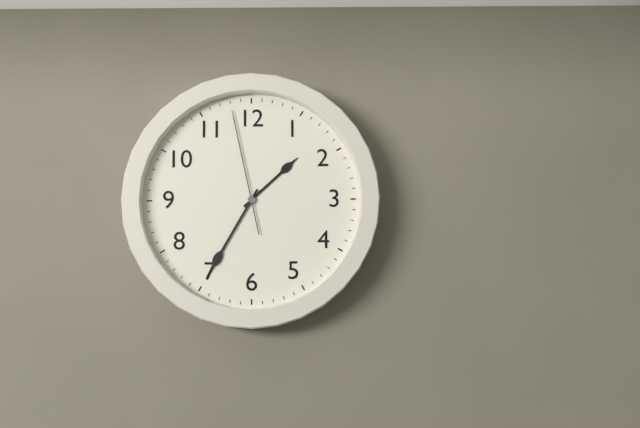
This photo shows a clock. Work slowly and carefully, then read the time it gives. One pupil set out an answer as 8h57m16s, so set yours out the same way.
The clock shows 1h35m58s
